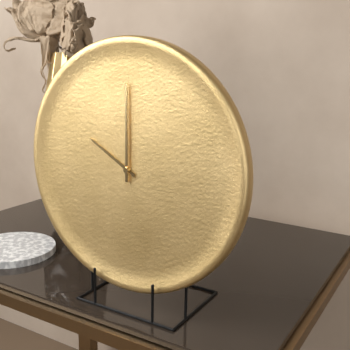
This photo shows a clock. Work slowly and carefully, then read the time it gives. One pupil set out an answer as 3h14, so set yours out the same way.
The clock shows 10h00
